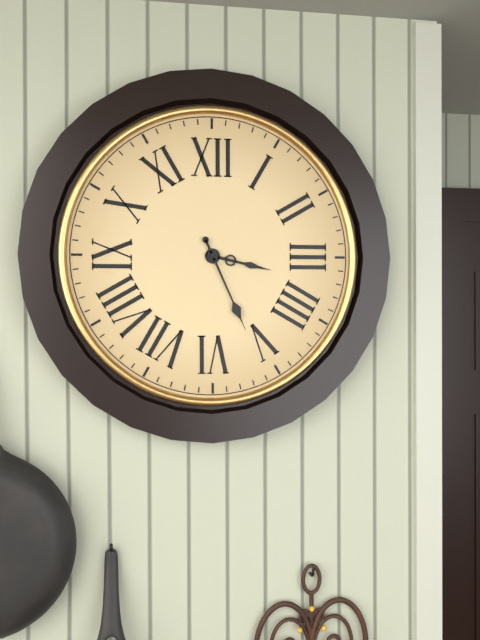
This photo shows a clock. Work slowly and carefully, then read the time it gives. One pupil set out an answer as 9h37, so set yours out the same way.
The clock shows 3h26
